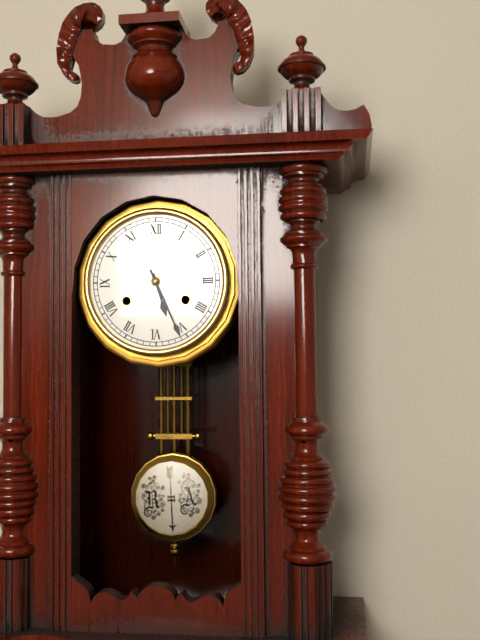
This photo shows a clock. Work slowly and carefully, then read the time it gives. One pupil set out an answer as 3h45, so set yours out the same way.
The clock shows 5h26
